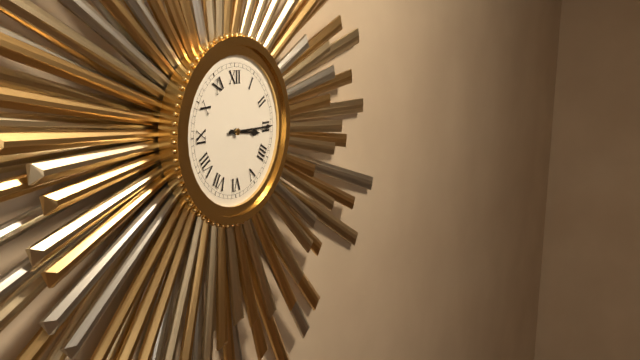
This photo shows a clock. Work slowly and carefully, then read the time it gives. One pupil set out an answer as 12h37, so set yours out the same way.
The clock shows 3h15
